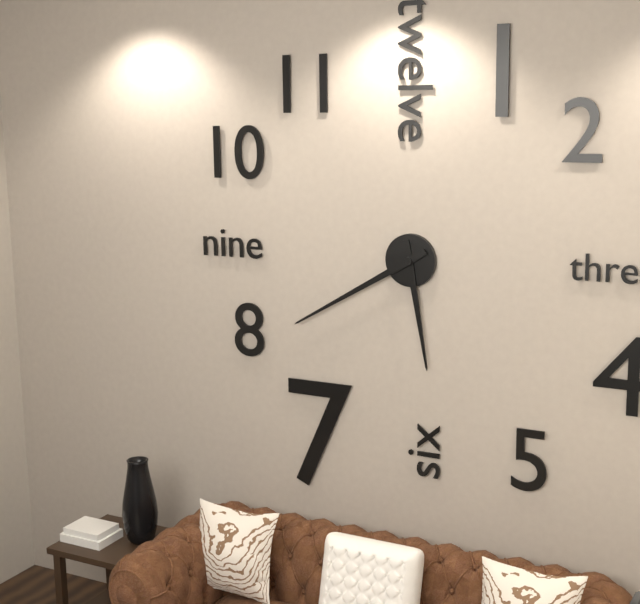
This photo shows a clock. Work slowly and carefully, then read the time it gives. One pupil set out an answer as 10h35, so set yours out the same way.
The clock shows 5h40
